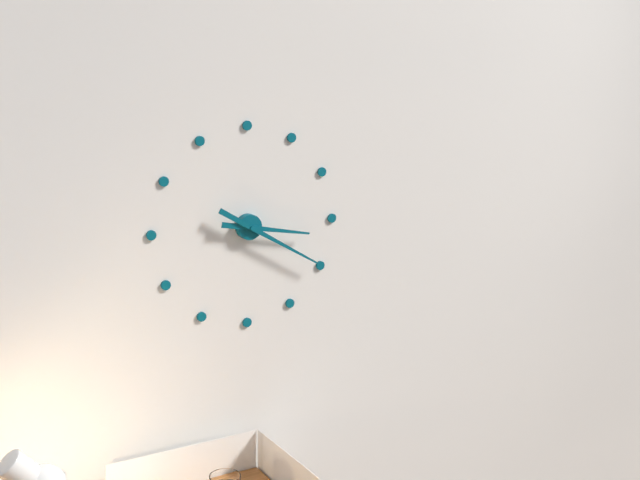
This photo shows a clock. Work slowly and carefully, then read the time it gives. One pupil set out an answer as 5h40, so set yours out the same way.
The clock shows 3h20
